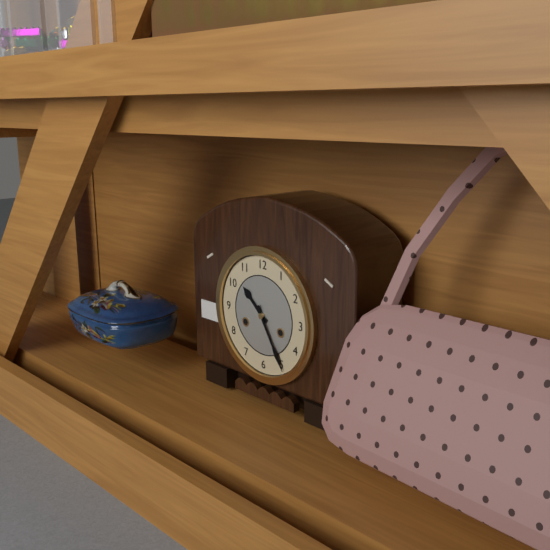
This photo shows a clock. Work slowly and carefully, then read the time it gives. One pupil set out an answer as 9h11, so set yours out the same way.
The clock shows 10h25
